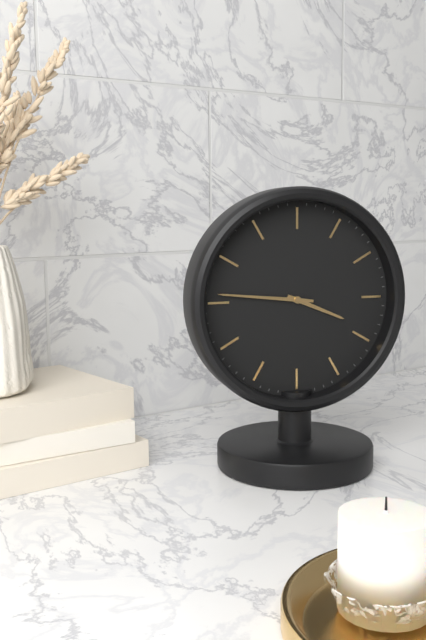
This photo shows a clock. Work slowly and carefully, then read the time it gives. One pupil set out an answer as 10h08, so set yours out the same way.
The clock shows 3h46
